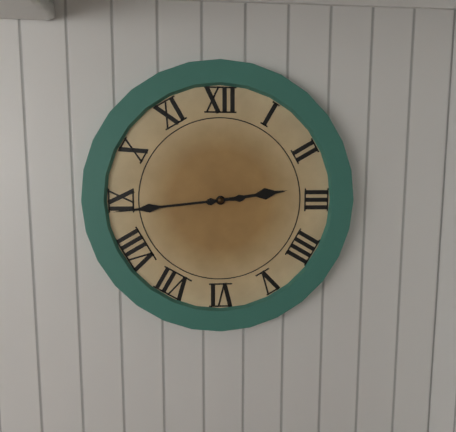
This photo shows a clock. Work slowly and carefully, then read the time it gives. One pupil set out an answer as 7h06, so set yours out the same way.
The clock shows 2h44
